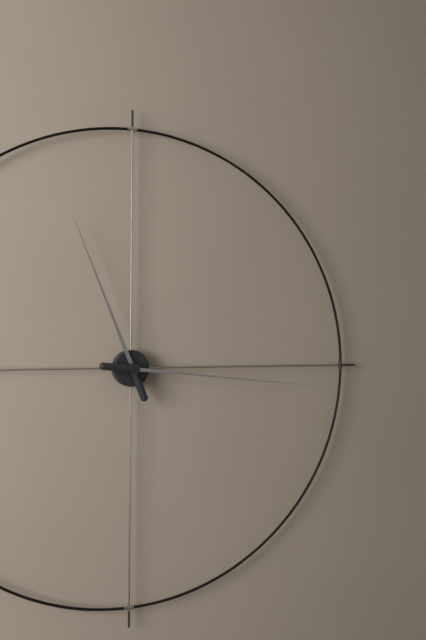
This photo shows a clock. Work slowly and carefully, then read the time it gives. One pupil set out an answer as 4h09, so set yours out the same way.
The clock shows 11h16
